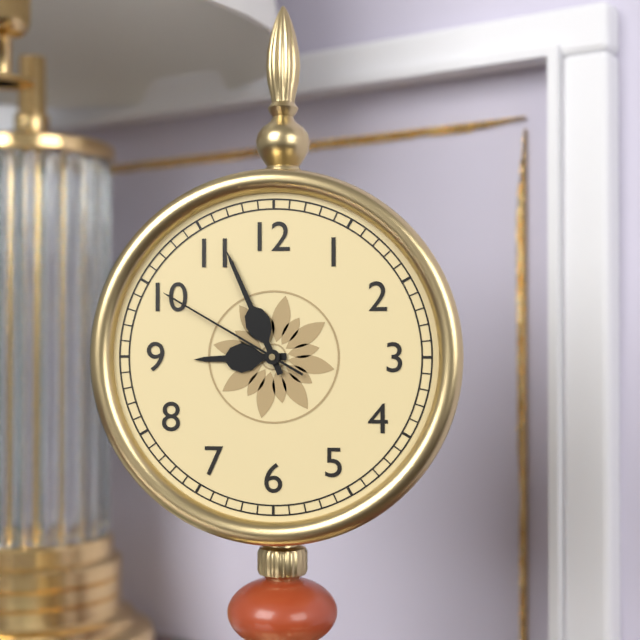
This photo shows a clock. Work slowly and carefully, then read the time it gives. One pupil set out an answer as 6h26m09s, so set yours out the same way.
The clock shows 8h56m50s
